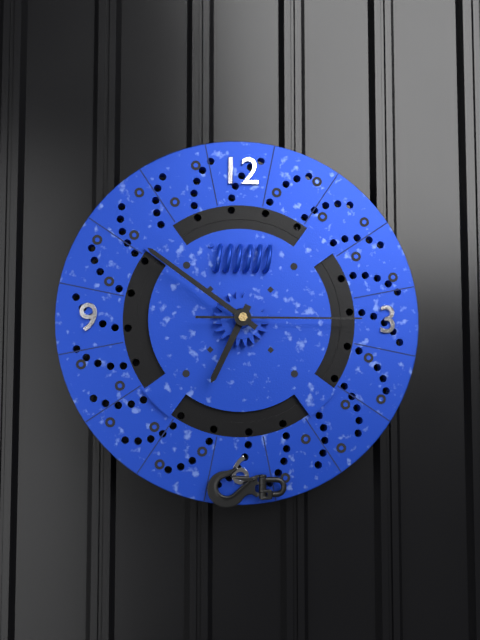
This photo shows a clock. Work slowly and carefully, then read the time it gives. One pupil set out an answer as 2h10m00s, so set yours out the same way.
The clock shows 6h51m15s
